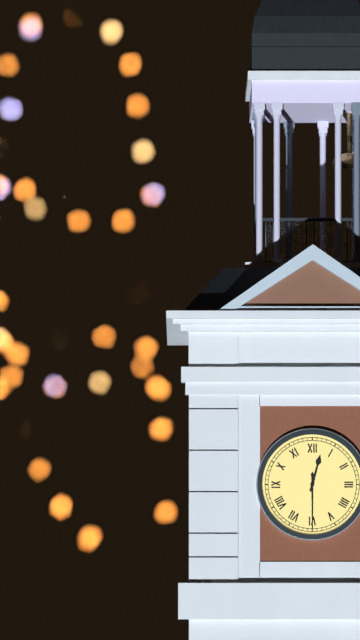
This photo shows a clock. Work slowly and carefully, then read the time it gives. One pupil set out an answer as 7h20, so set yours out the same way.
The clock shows 12h30
